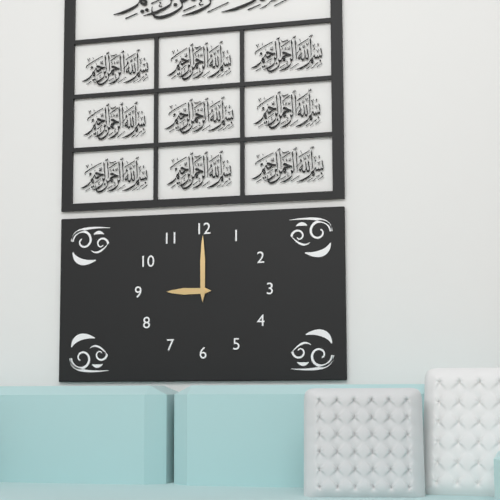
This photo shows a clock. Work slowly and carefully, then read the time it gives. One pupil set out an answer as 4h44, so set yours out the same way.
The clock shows 9h00
